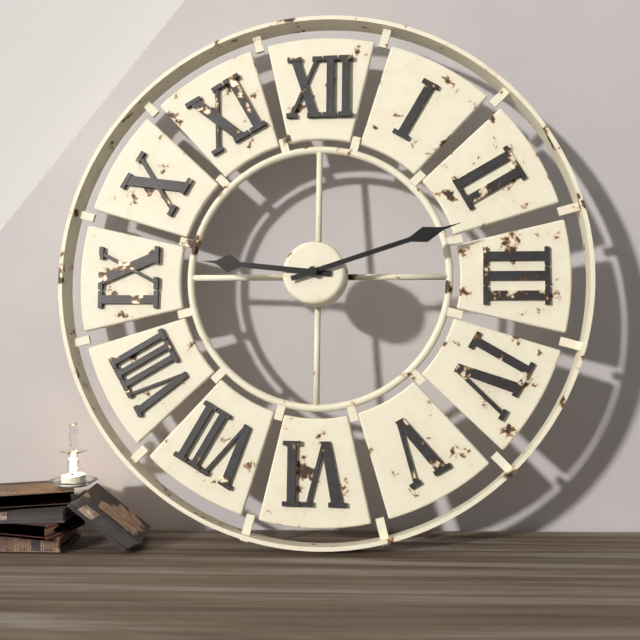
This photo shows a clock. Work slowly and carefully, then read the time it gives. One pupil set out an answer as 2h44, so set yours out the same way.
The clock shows 9h12
